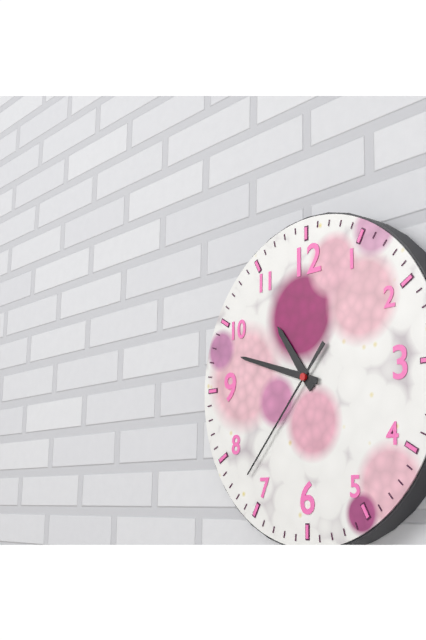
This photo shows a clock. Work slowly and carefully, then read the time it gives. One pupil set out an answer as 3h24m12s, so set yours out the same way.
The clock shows 10h48m37s
